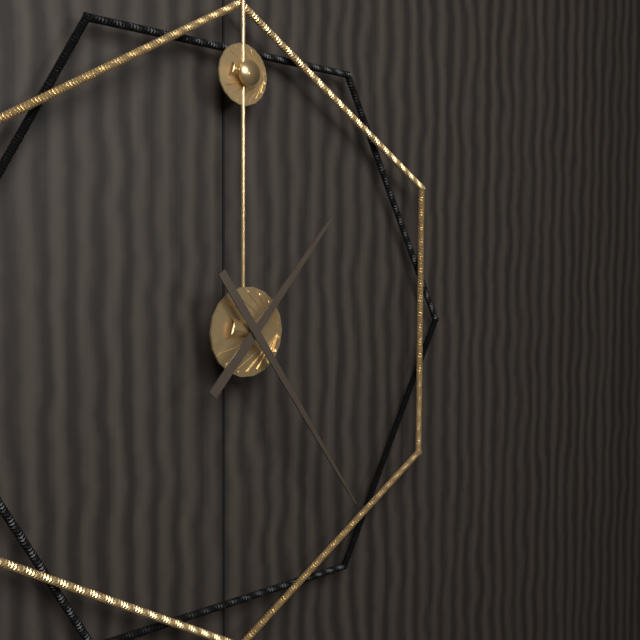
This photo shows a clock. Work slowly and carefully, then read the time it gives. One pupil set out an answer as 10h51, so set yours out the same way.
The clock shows 1h24
